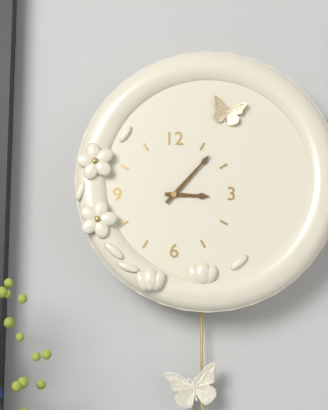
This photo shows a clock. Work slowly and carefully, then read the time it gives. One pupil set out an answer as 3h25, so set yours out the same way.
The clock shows 3h07
